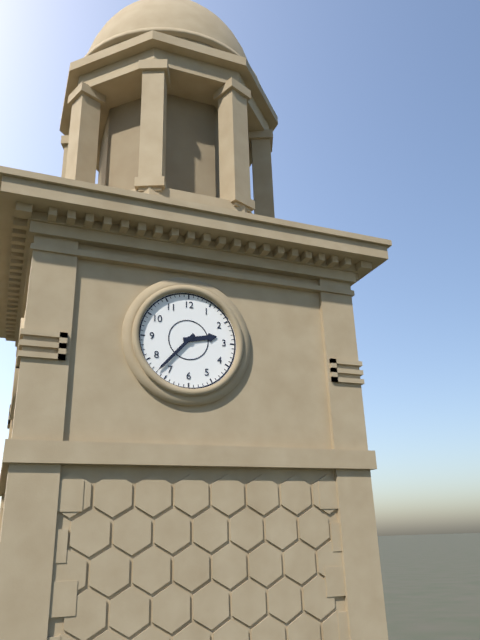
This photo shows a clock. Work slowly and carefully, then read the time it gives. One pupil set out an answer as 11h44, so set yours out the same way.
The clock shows 2h37
